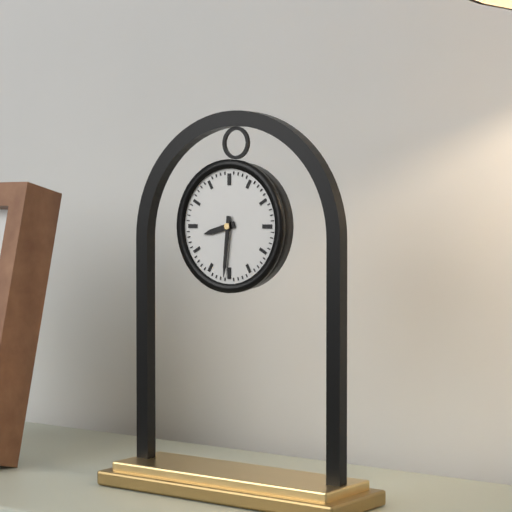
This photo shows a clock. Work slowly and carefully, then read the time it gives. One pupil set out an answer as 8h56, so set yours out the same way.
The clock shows 8h31
